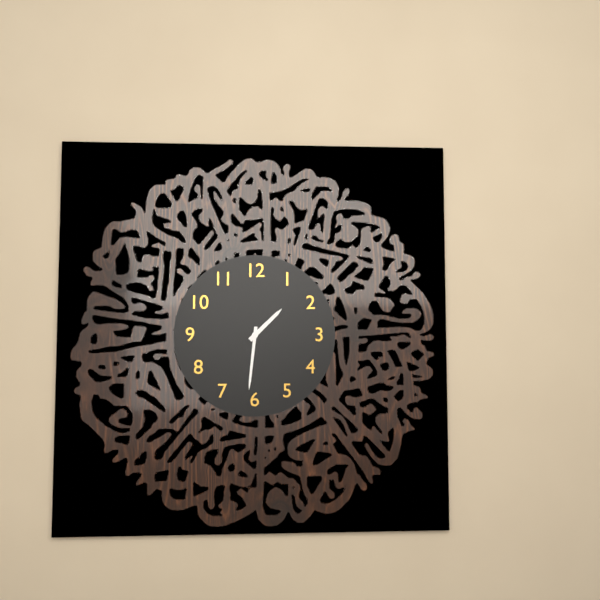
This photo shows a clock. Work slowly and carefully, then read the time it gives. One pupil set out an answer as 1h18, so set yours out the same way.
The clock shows 1h31
